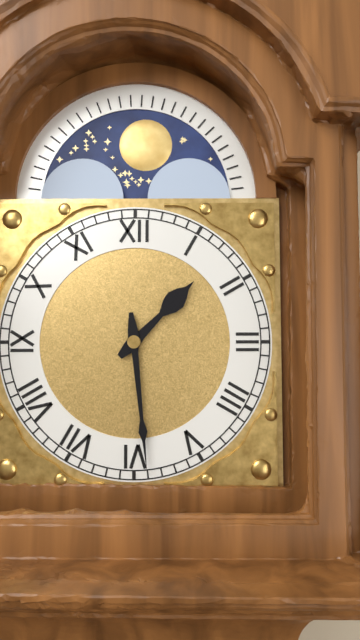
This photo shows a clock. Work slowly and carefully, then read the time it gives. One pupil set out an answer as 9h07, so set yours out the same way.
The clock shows 1h29
